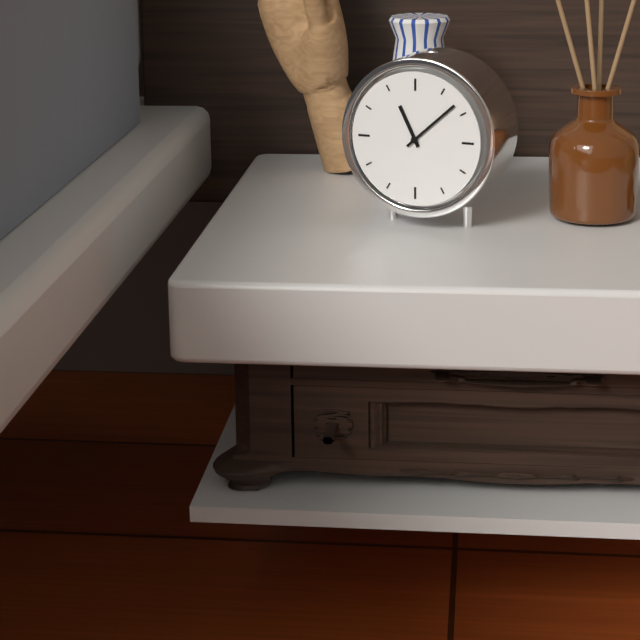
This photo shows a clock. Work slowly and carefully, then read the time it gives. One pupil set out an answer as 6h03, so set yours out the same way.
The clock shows 11h08
